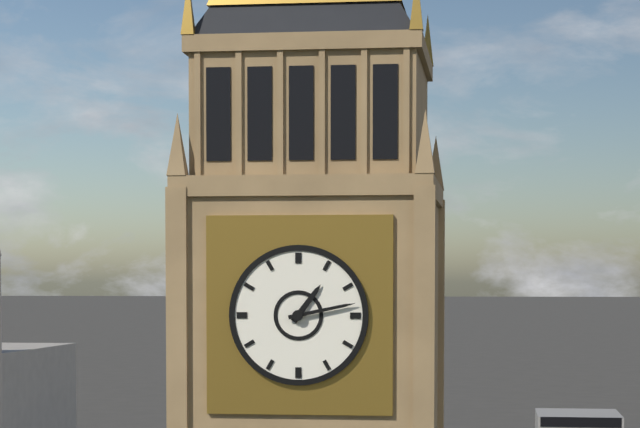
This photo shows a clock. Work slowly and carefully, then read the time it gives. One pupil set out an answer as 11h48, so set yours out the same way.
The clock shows 1h13
